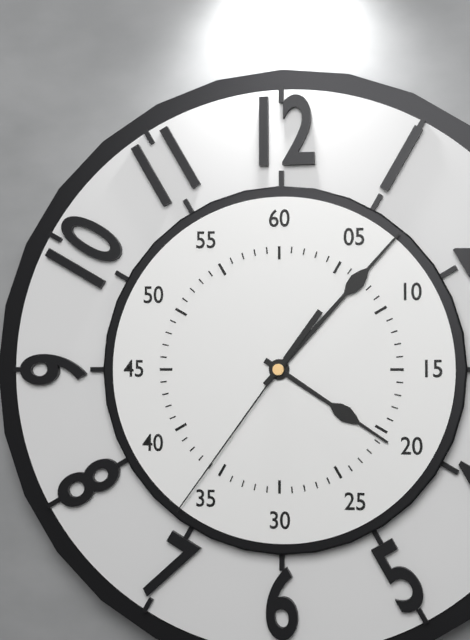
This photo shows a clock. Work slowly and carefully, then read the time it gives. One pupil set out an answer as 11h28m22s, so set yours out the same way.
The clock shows 4h07m36s
